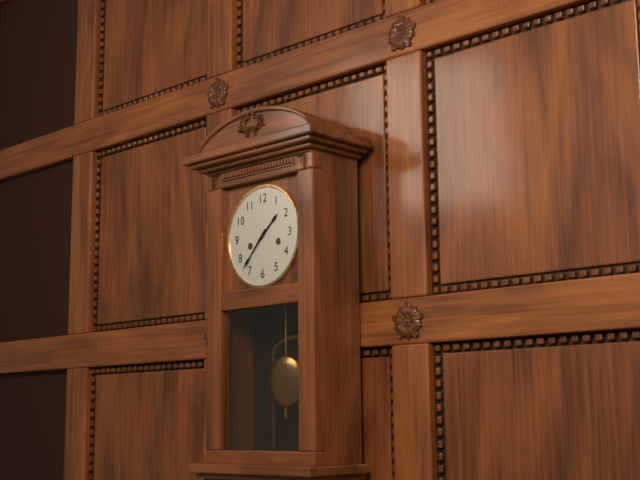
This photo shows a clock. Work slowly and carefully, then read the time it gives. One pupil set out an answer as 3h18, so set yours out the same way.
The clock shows 1h37
